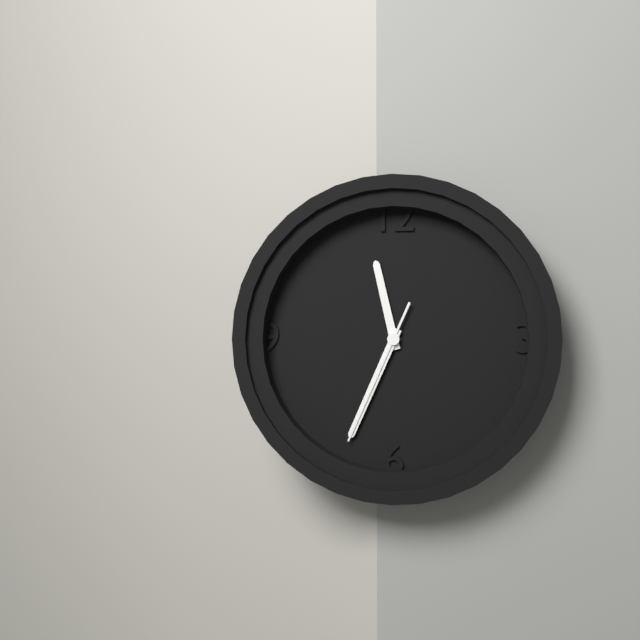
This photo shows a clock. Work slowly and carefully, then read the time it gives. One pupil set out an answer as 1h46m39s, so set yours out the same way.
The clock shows 11h34m34s
